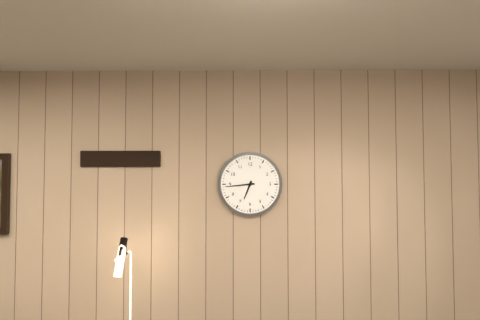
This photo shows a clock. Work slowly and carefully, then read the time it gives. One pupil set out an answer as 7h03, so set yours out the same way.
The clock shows 6h44
